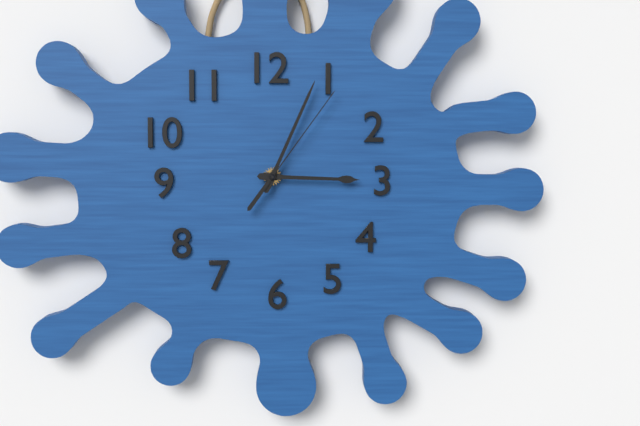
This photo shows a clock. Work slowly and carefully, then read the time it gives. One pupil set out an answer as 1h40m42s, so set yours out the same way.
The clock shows 3h04m06s
